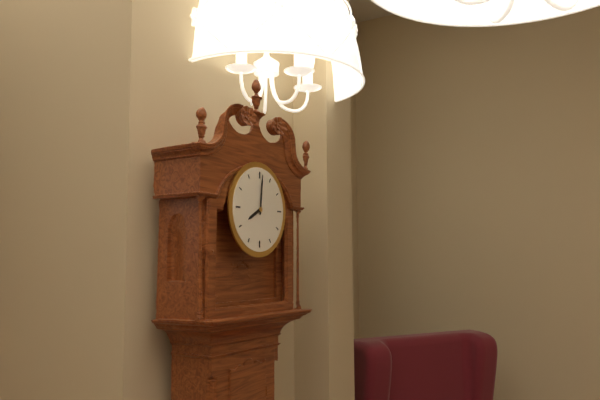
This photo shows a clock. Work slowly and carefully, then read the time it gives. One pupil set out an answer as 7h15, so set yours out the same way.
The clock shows 8h01
